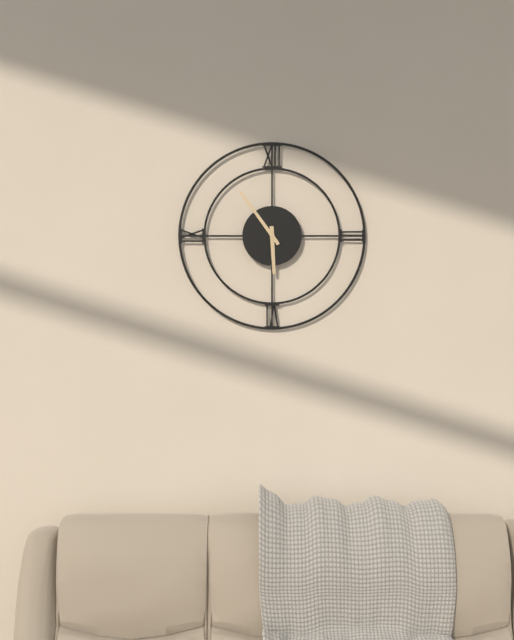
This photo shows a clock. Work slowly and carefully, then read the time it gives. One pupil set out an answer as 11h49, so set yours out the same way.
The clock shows 5h54
